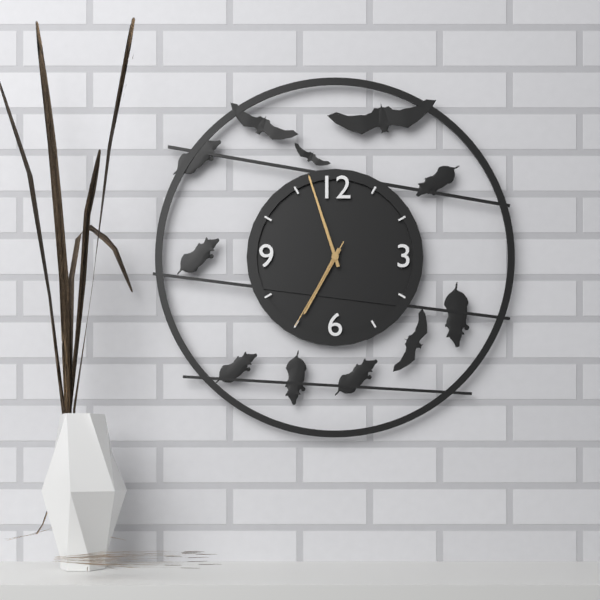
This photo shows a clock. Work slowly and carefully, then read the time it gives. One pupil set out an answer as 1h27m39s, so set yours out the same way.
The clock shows 6h57m35s
